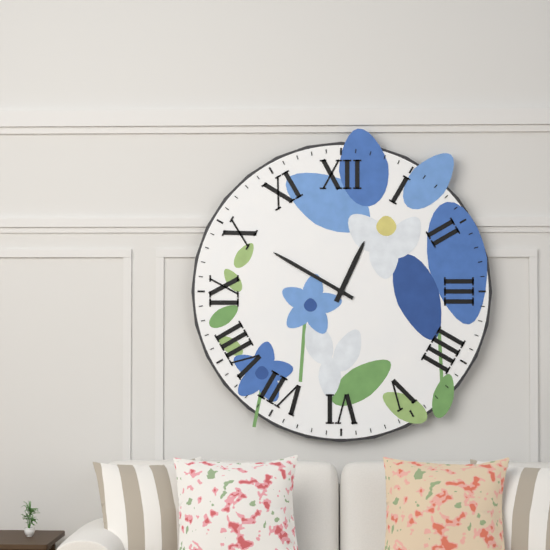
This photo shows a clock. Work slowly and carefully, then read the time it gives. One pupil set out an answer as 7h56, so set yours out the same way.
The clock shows 12h50
